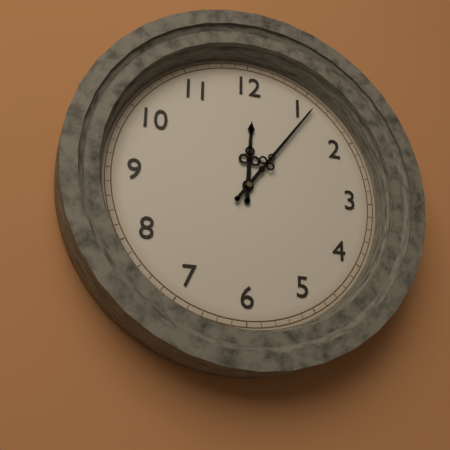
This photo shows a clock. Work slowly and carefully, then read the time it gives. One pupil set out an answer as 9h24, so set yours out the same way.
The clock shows 12h06
